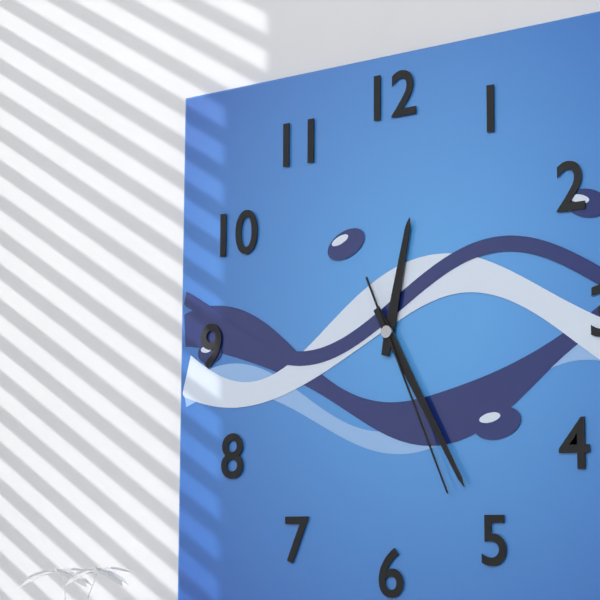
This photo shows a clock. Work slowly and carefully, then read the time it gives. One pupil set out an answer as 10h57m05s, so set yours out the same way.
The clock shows 12h25m26s
